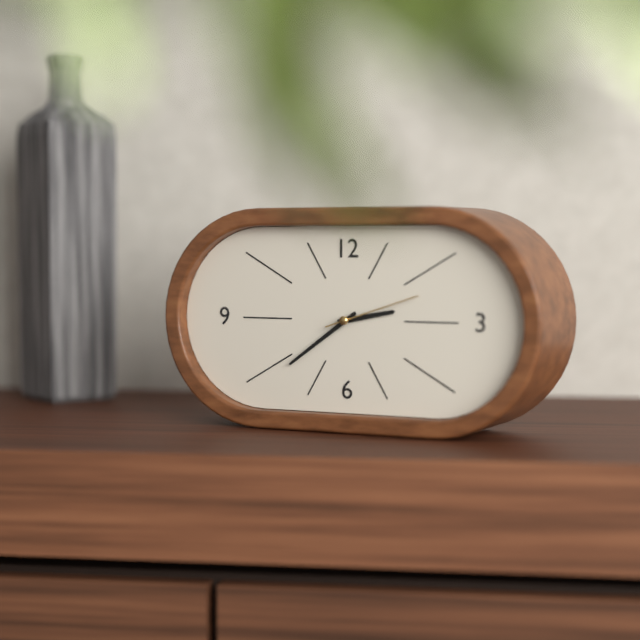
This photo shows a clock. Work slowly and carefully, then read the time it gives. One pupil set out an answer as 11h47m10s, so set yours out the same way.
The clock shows 2h39m12s
